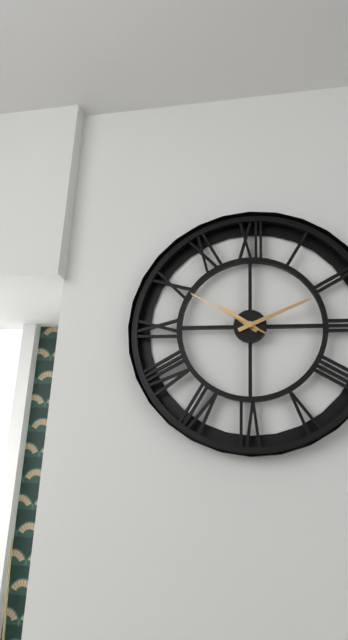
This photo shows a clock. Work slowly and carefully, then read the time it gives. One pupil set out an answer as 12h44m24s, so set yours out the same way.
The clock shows 10h11m50s
